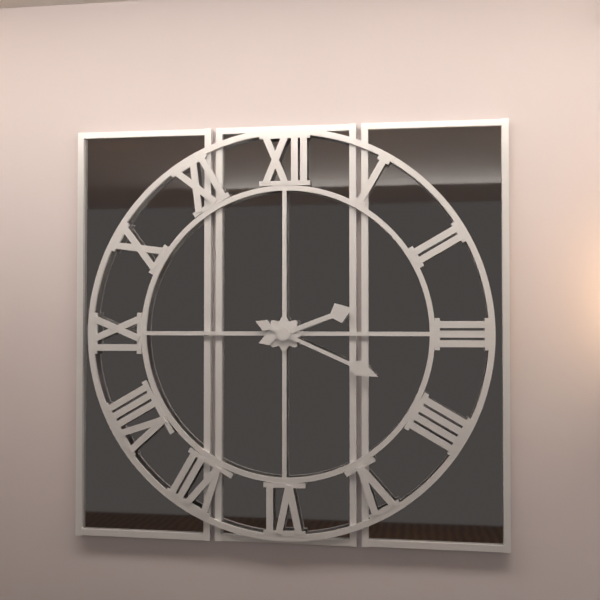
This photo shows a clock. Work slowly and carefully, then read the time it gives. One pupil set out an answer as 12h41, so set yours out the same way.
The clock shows 2h19
